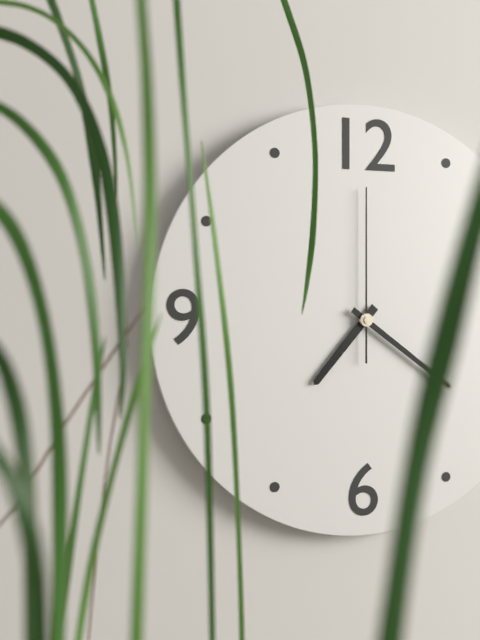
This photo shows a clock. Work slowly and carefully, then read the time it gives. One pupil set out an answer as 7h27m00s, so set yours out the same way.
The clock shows 7h21m00s
